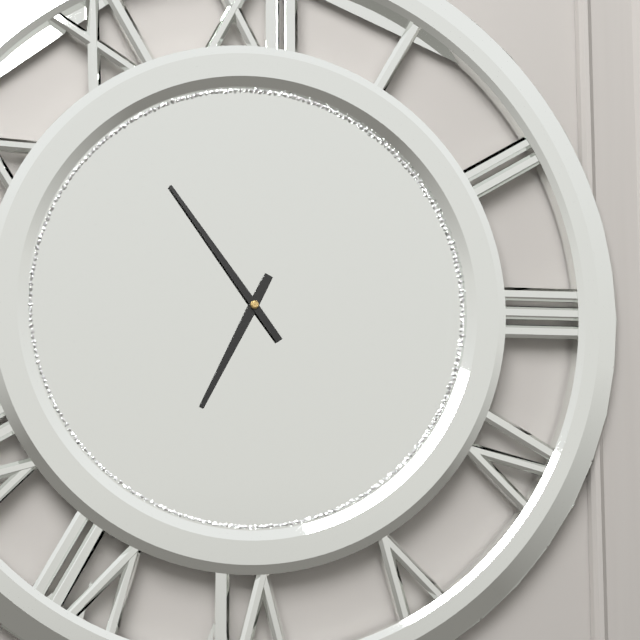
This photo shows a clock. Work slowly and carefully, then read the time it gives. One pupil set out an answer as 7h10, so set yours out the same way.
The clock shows 6h54
